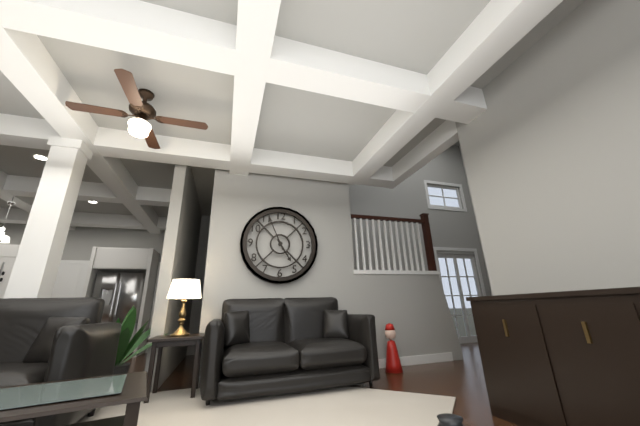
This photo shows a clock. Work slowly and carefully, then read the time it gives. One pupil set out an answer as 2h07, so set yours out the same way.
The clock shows 4h56
